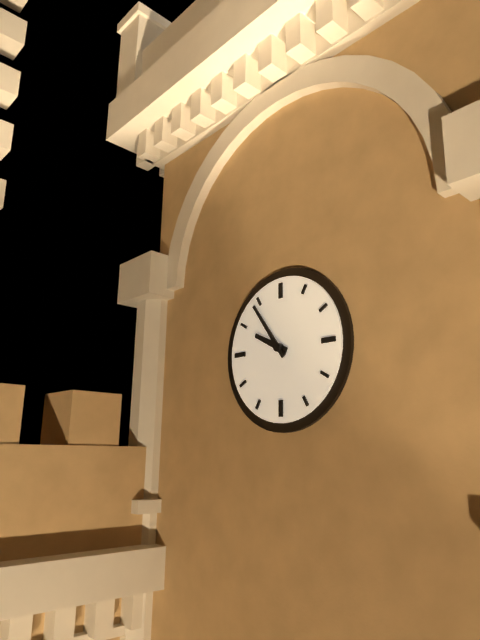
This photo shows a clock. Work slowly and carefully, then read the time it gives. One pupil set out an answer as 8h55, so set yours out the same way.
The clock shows 9h54
